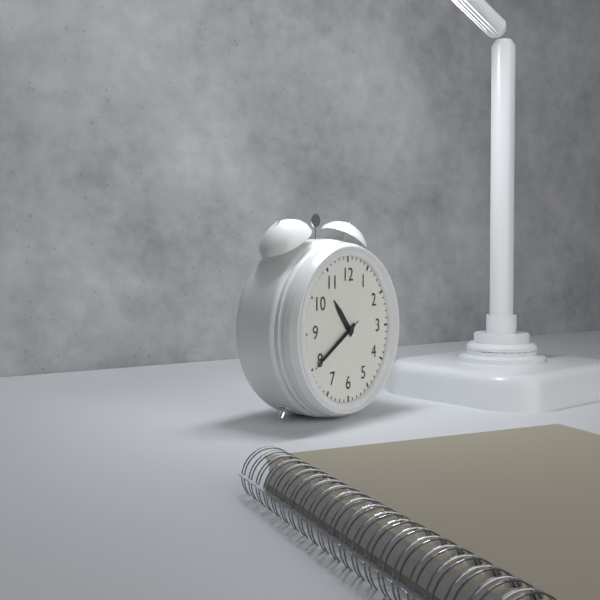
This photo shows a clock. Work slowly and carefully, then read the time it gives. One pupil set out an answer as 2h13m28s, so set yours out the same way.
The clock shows 10h40m40s
